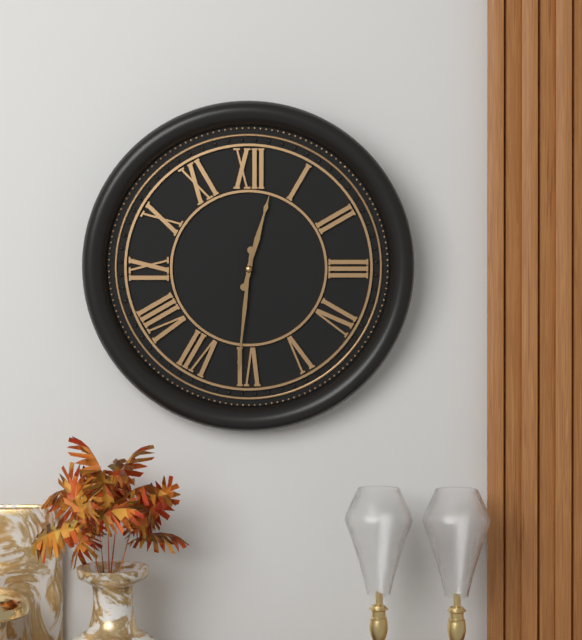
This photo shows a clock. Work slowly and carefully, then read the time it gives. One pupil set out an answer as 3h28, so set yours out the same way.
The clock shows 12h31
